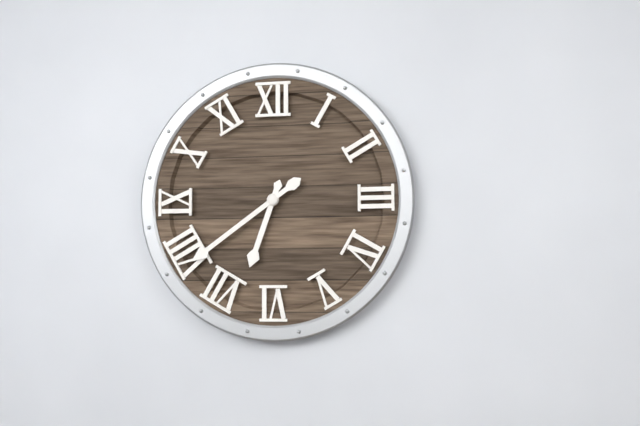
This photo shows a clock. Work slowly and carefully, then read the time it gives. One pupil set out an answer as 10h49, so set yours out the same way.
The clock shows 6h39
